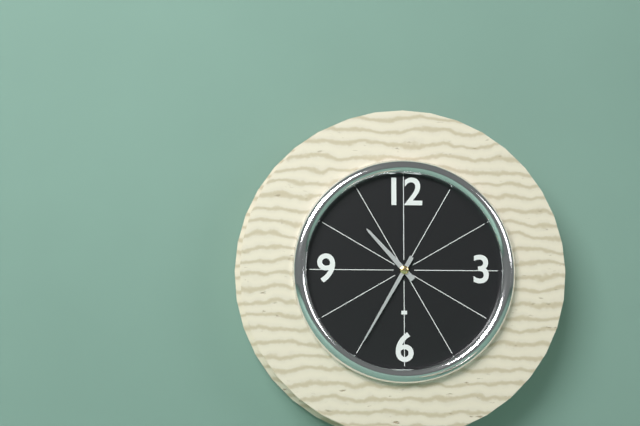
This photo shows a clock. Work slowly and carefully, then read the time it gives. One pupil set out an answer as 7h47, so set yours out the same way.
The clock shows 10h35
